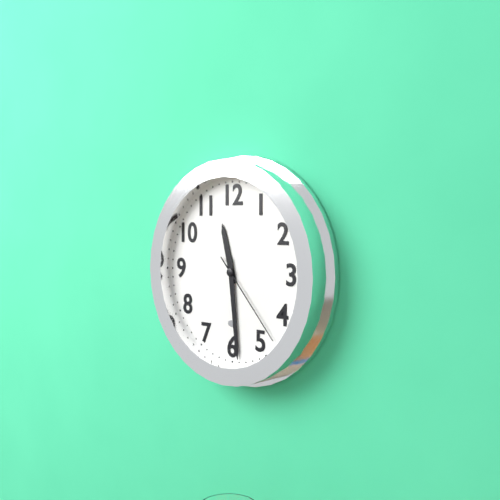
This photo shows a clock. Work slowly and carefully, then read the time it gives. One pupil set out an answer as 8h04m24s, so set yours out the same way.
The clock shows 11h29m23s
